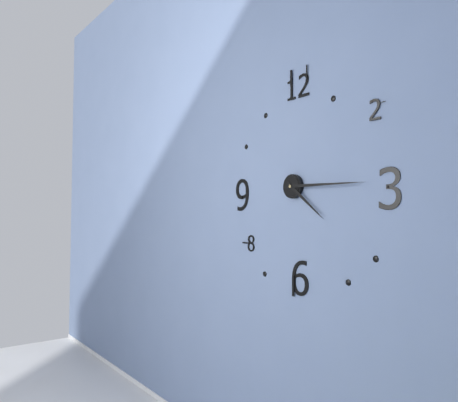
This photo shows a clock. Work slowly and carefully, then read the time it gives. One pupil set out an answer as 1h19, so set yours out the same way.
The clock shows 4h15
